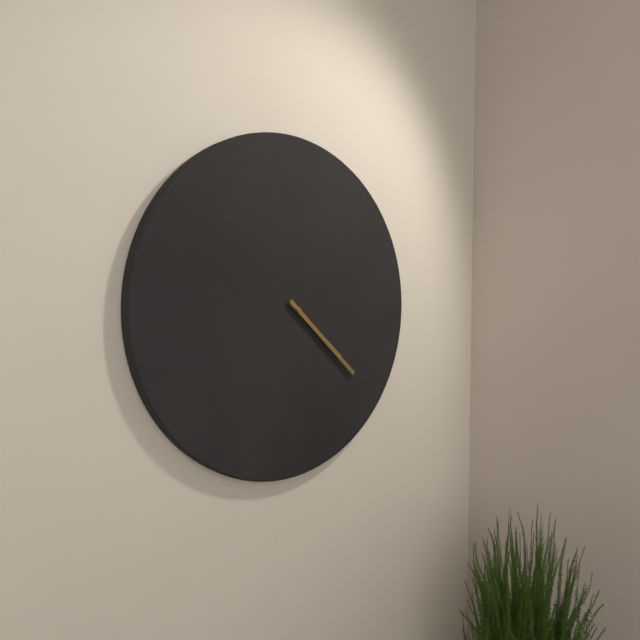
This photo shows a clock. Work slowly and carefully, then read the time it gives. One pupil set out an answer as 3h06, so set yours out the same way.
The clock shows 4h22
